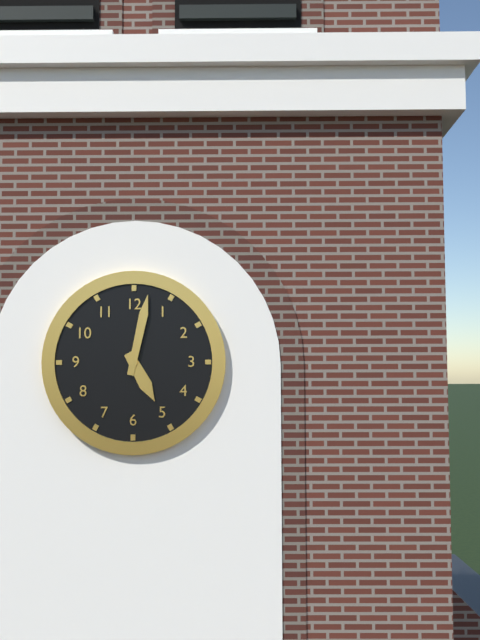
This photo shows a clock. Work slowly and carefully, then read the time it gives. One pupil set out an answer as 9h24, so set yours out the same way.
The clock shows 5h02
